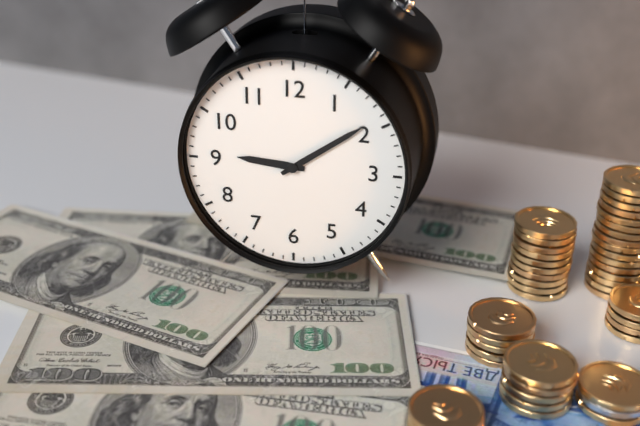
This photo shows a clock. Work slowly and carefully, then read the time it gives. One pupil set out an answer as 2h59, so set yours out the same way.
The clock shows 9h09
